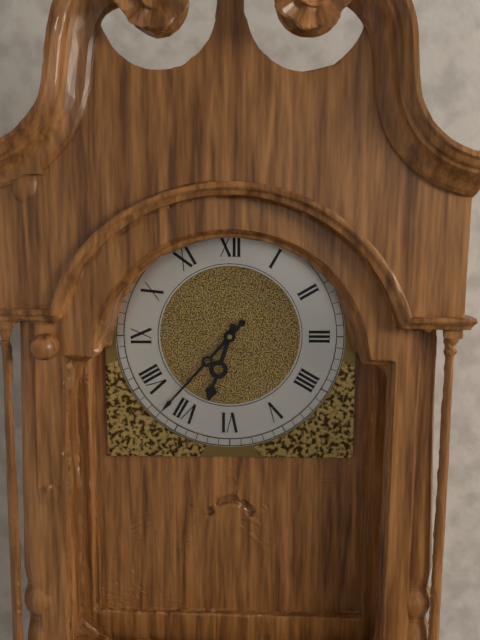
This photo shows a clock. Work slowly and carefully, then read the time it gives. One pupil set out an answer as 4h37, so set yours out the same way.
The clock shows 6h37
